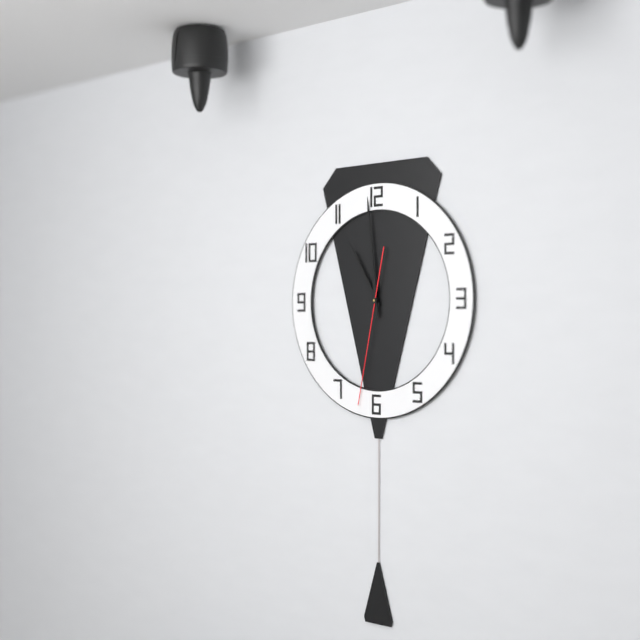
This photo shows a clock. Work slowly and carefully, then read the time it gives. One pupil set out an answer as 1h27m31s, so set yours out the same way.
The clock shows 10h59m32s
